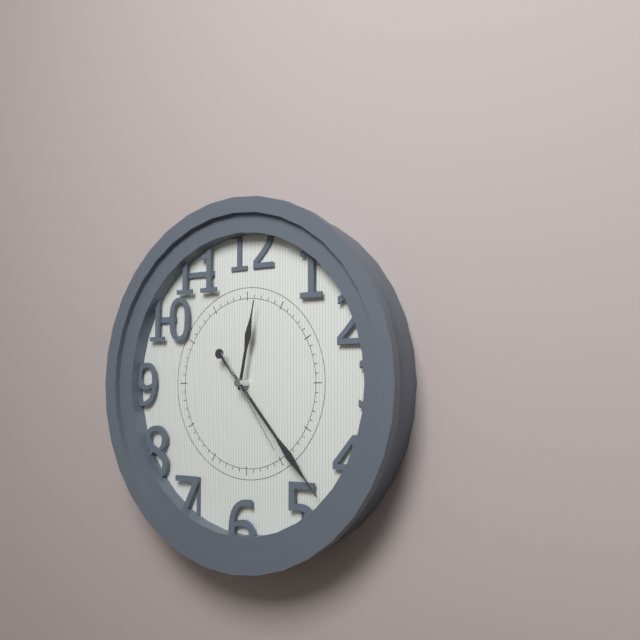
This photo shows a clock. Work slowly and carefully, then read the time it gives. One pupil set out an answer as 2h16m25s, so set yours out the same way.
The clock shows 12h23m24s
